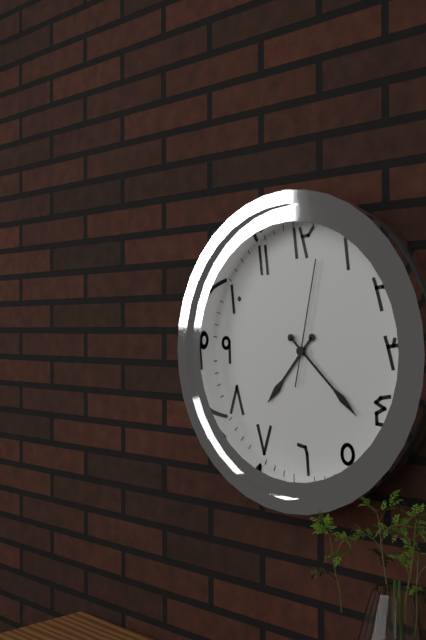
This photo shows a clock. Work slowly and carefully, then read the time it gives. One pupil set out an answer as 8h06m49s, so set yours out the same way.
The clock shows 7h22m02s
